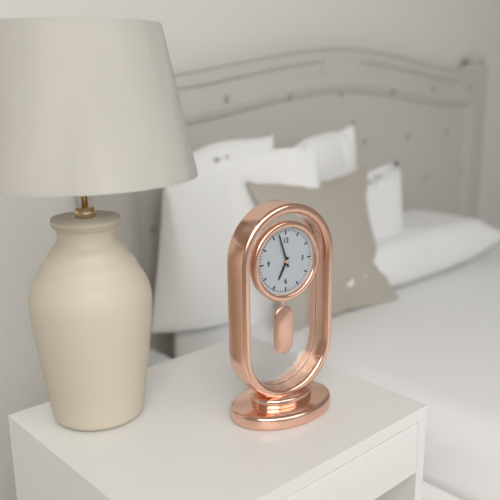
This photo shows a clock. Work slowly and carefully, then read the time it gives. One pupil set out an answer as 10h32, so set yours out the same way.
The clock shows 6h57
